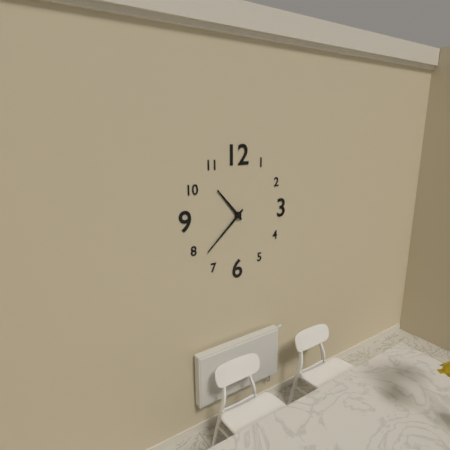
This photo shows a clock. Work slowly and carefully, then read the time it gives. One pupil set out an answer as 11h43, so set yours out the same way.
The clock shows 10h38
